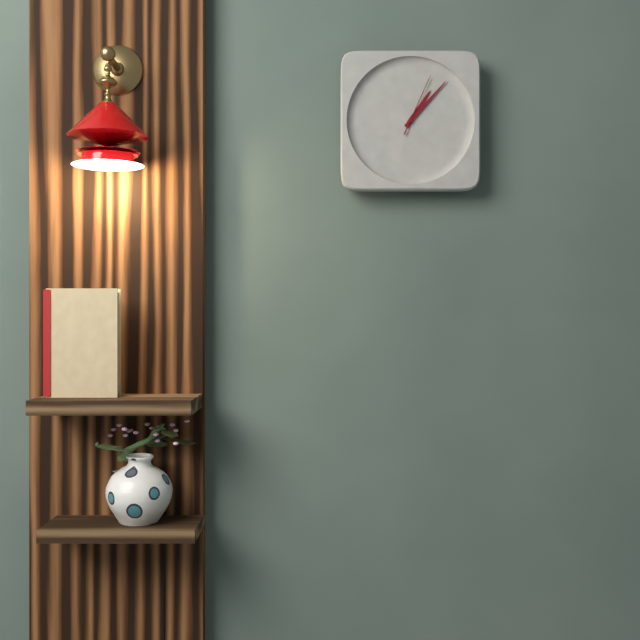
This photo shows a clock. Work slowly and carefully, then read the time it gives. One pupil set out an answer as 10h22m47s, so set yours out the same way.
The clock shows 1h07m04s
